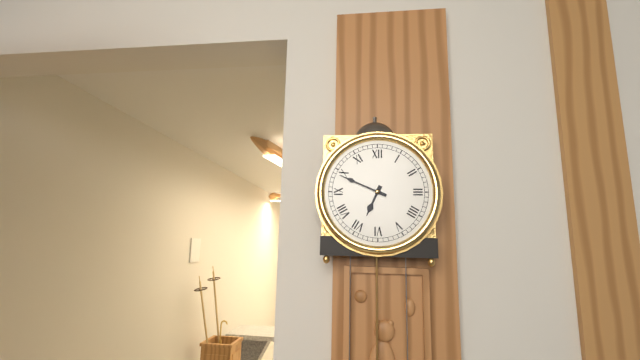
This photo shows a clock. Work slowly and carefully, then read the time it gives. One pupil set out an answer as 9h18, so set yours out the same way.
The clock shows 6h49
